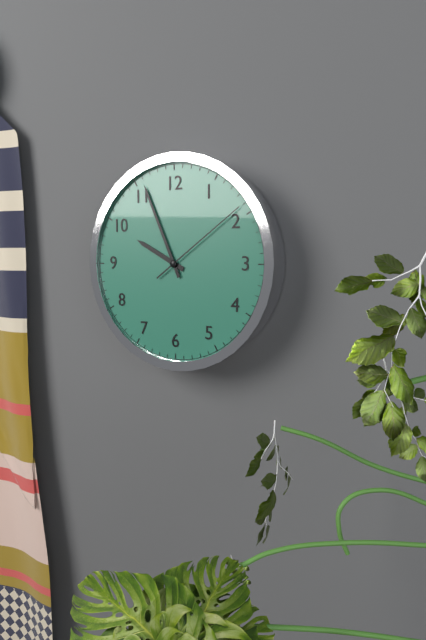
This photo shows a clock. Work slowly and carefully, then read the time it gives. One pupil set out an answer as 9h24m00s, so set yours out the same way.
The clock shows 9h56m09s
